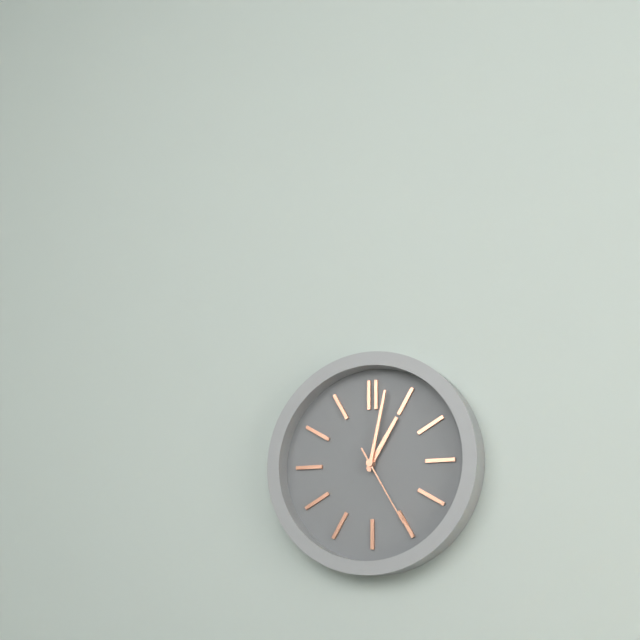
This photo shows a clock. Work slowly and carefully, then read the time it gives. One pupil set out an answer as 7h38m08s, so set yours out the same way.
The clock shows 1h02m25s
